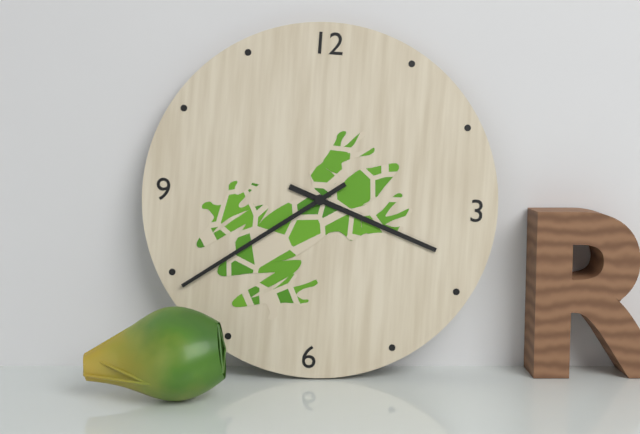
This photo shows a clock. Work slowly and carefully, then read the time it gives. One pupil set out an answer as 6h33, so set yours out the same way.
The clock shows 3h39
